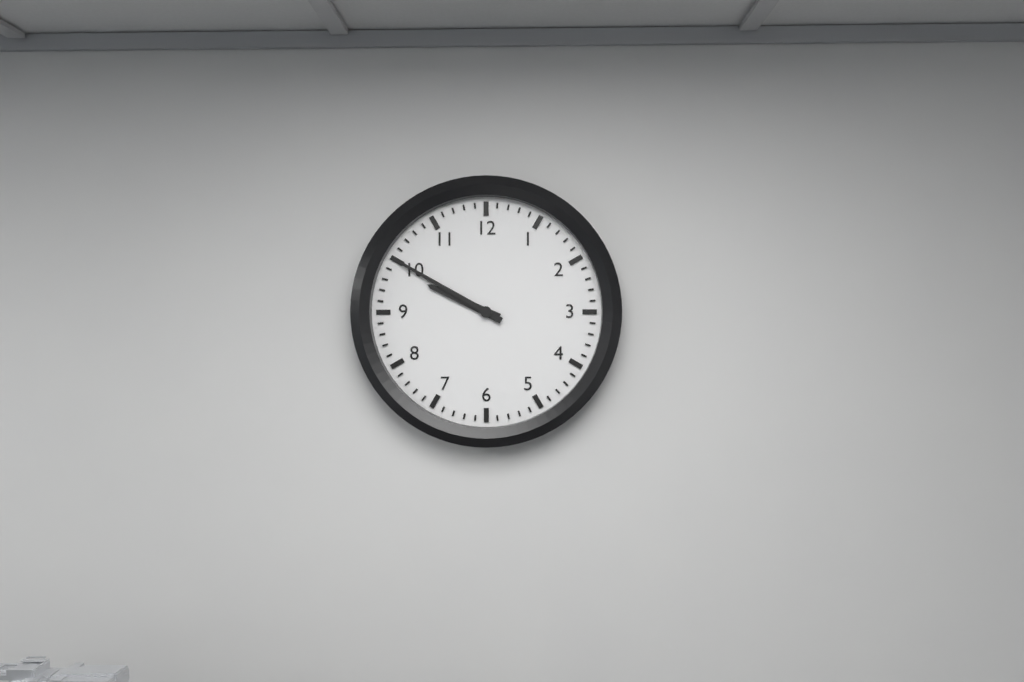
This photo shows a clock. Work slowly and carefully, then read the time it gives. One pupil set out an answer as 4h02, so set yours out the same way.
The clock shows 9h50
